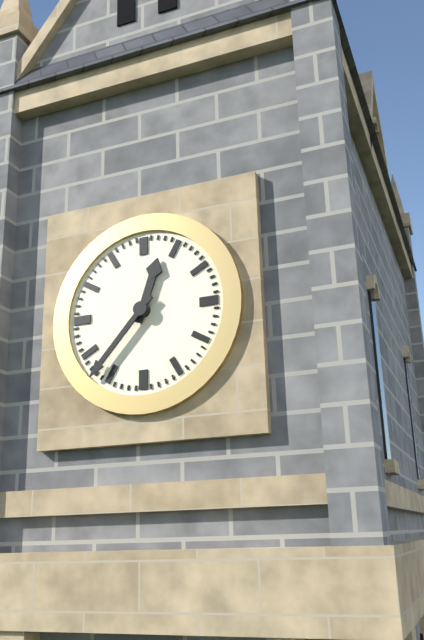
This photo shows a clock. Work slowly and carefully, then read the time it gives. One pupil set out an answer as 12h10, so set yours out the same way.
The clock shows 12h37
